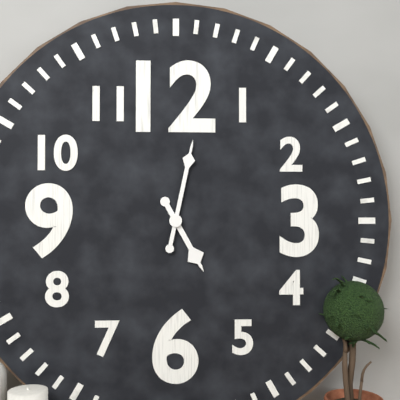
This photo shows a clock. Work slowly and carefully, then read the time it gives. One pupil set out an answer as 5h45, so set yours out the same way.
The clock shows 5h02
